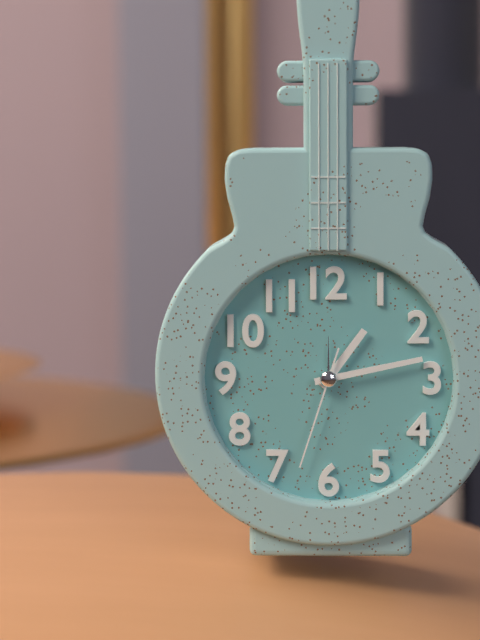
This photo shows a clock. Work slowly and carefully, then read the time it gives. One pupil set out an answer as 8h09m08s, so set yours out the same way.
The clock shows 1h13m33s
